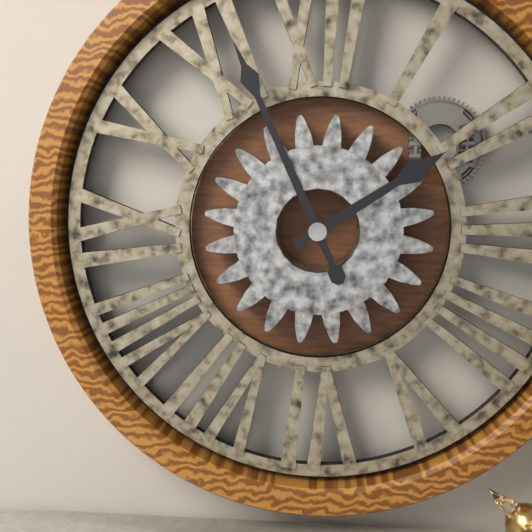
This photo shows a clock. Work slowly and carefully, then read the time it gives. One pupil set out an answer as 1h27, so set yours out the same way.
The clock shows 1h56
